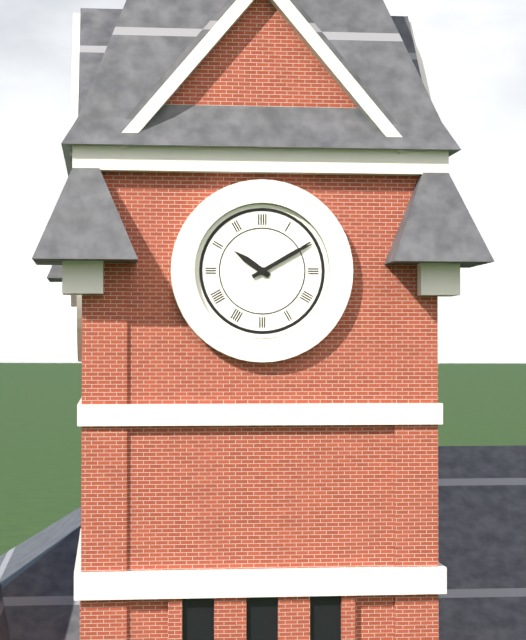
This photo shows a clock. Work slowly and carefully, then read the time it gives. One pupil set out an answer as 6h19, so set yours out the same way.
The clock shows 10h10
